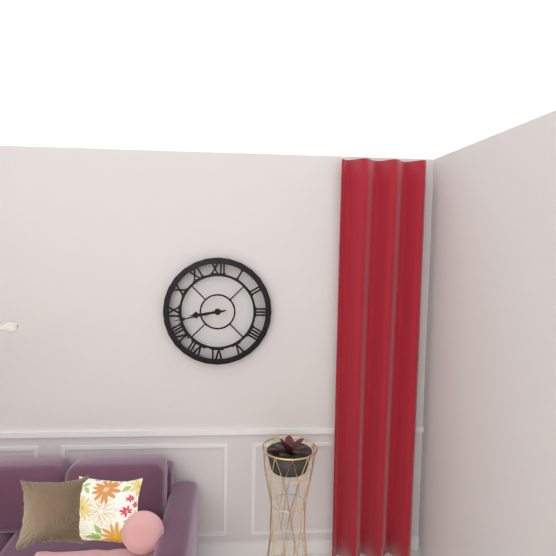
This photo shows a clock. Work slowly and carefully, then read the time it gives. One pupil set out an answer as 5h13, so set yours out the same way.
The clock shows 8h43
